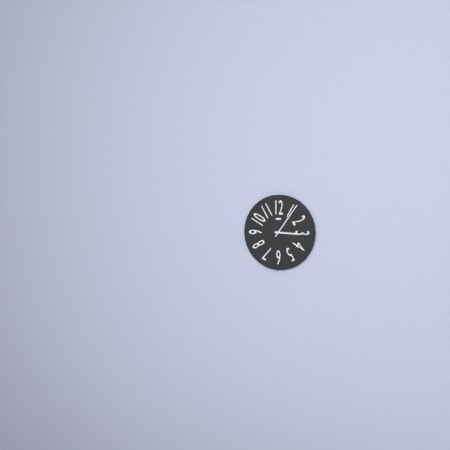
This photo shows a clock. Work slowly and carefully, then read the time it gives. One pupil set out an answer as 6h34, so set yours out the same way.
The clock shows 3h06
